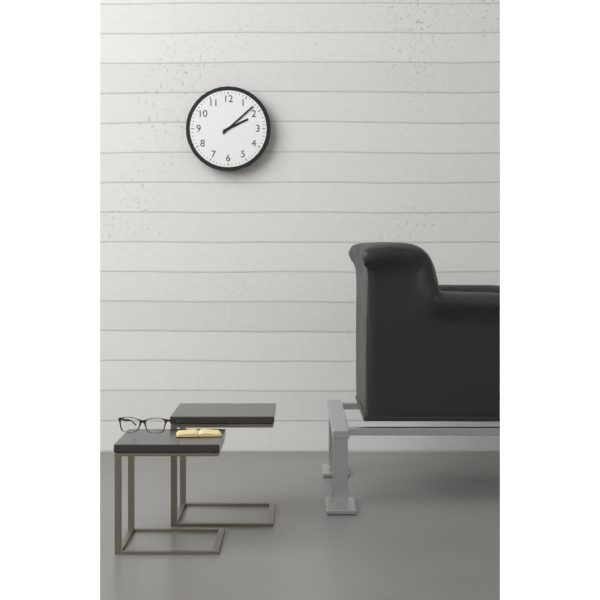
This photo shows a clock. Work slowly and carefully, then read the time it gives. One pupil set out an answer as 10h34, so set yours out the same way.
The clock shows 2h08
